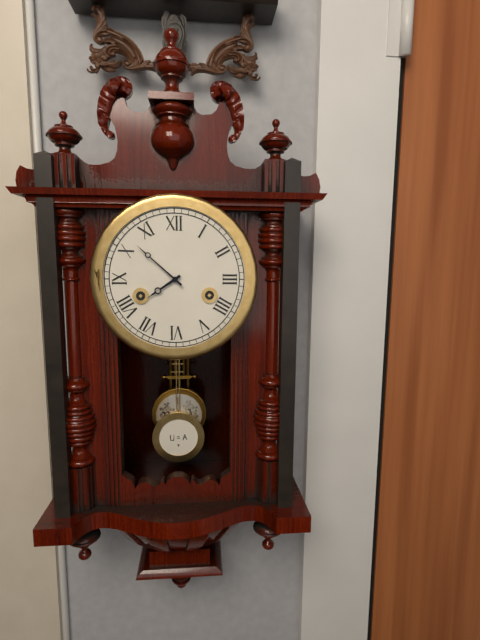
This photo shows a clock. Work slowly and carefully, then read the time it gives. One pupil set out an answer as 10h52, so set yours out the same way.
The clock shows 7h52
